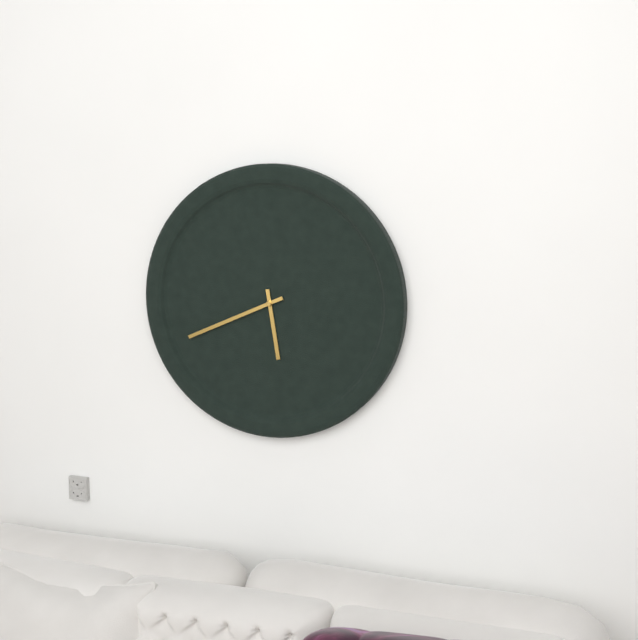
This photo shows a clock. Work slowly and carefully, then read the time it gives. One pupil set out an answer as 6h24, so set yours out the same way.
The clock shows 5h41
